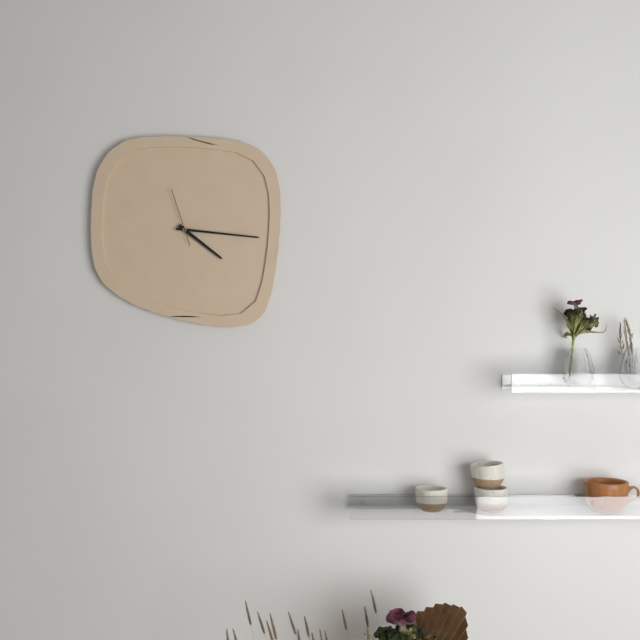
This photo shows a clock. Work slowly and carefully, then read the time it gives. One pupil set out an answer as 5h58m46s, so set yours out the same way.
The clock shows 4h16m57s
